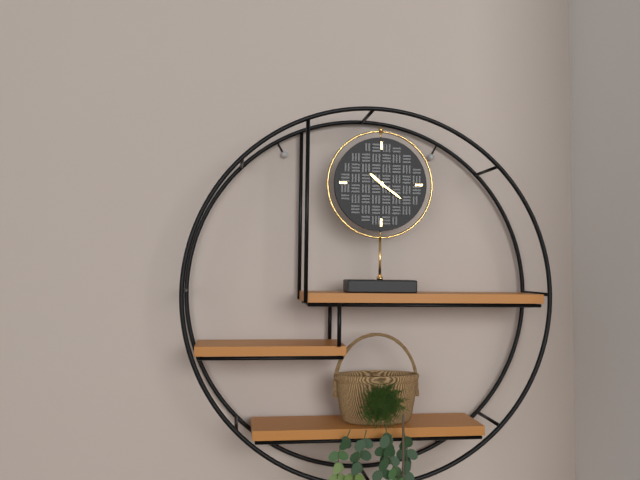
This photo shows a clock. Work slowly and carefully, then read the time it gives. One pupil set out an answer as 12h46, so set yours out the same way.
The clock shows 10h21
